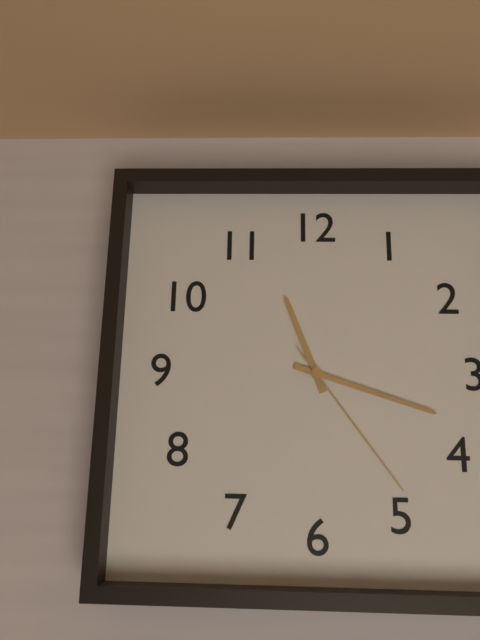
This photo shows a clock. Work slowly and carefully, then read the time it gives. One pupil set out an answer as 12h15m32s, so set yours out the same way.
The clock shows 11h18m24s
